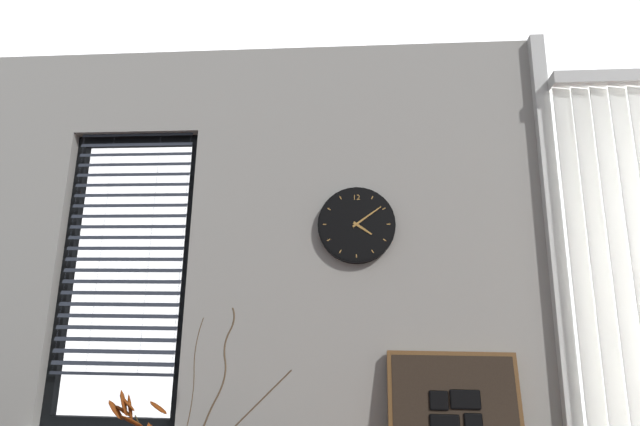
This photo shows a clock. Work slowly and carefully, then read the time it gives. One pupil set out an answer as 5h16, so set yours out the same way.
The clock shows 4h09
